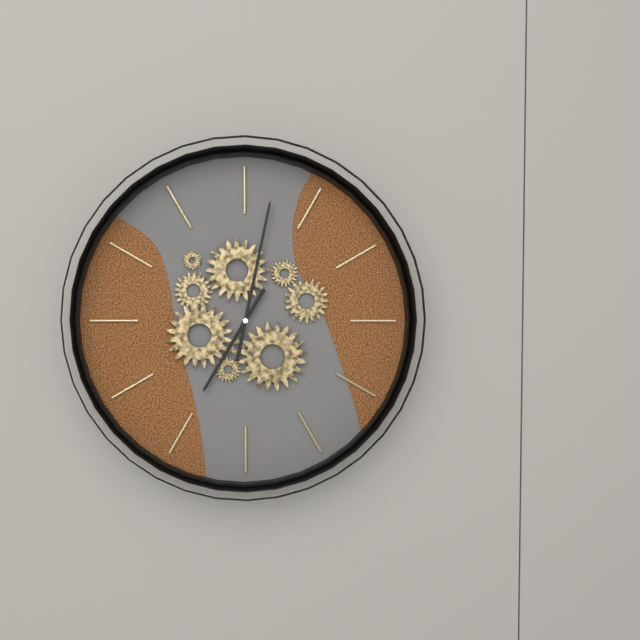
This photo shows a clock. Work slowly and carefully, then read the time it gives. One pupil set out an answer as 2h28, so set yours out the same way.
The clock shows 7h02
